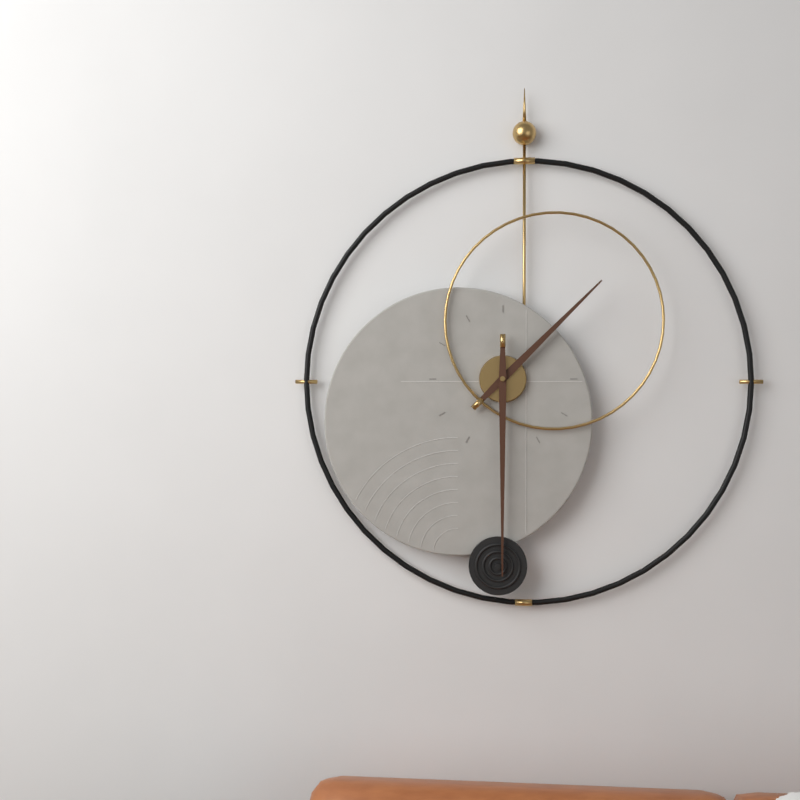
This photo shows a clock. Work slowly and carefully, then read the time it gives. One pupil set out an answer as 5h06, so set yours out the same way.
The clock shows 1h30
